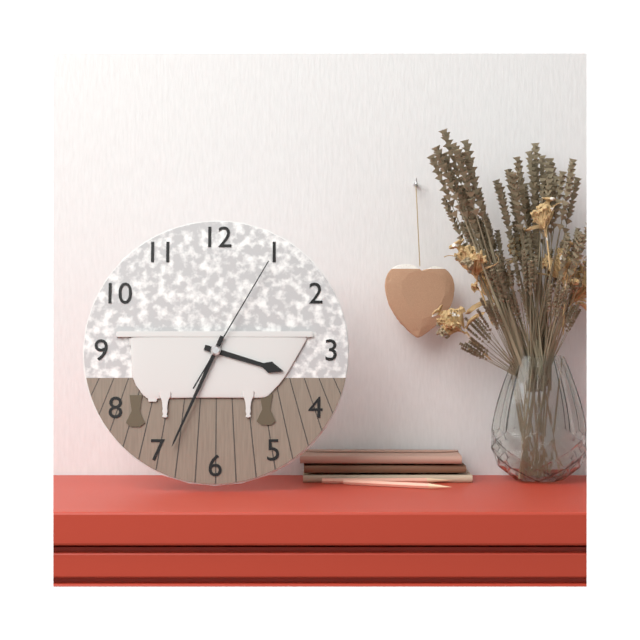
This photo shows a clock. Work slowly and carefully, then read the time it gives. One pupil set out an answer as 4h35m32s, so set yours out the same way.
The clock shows 3h34m05s
